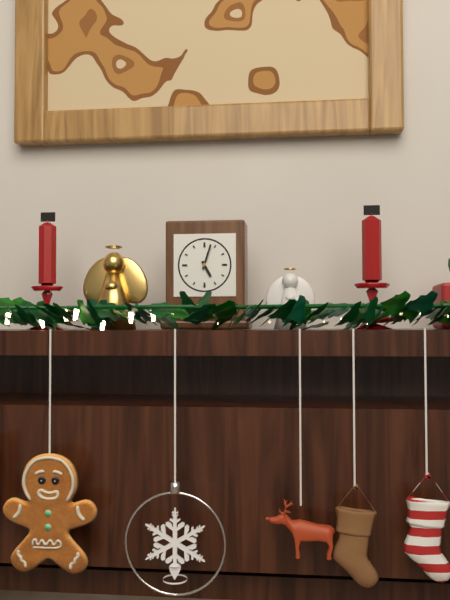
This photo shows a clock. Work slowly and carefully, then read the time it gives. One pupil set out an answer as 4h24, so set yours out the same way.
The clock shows 5h03
